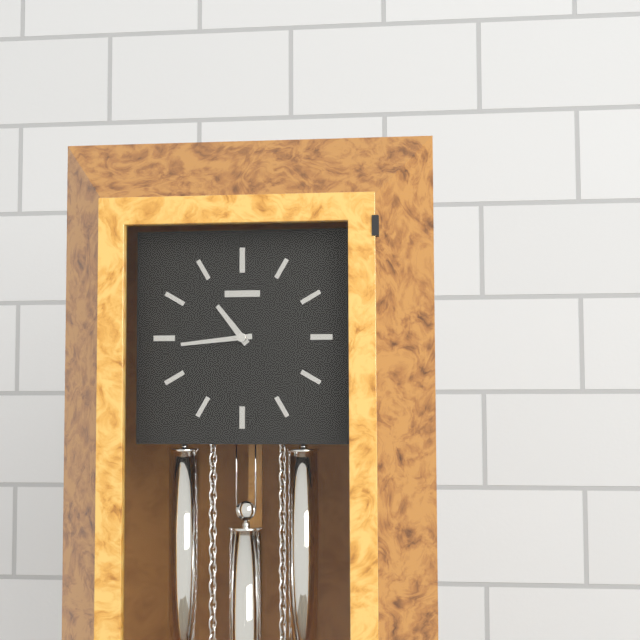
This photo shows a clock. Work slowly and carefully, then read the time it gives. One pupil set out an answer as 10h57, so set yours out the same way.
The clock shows 10h44
